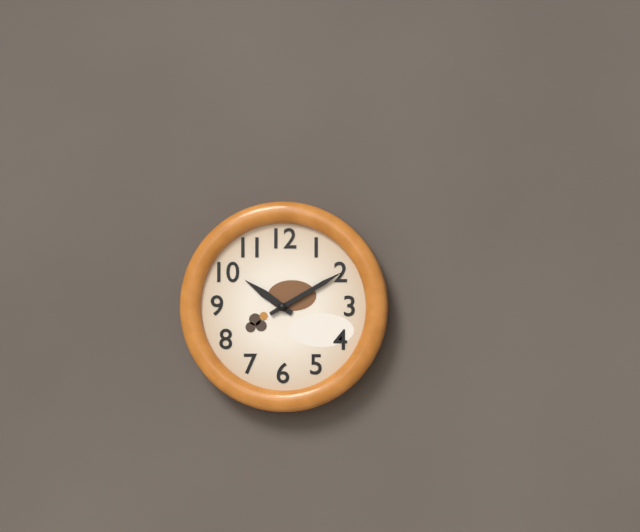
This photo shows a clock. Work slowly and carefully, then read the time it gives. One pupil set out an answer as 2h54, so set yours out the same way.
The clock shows 10h10
